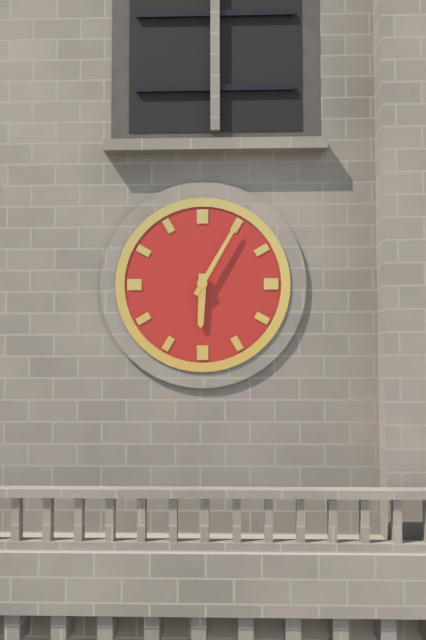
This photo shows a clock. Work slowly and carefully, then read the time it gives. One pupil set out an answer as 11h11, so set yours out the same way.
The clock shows 6h05
